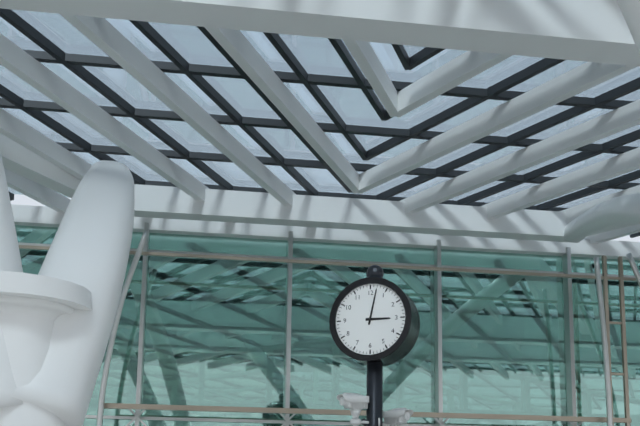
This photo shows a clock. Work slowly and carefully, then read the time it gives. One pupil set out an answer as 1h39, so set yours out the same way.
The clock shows 3h02
